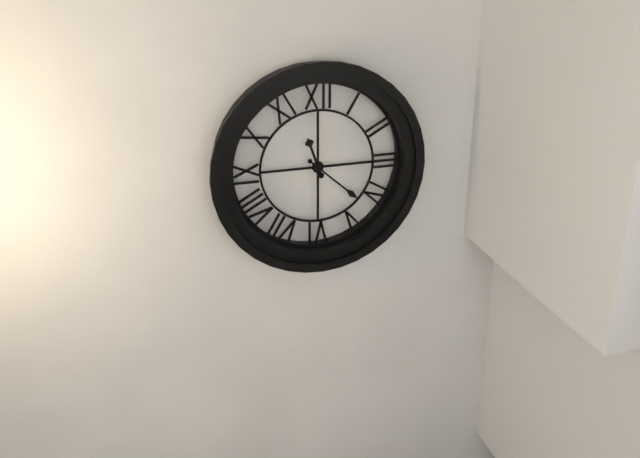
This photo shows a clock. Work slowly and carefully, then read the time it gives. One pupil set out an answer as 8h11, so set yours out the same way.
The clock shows 11h22
